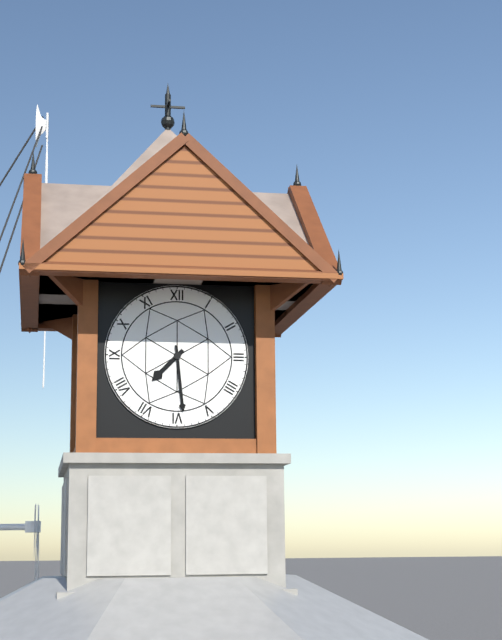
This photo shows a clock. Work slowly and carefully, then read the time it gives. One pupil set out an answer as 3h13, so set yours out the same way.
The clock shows 7h29
